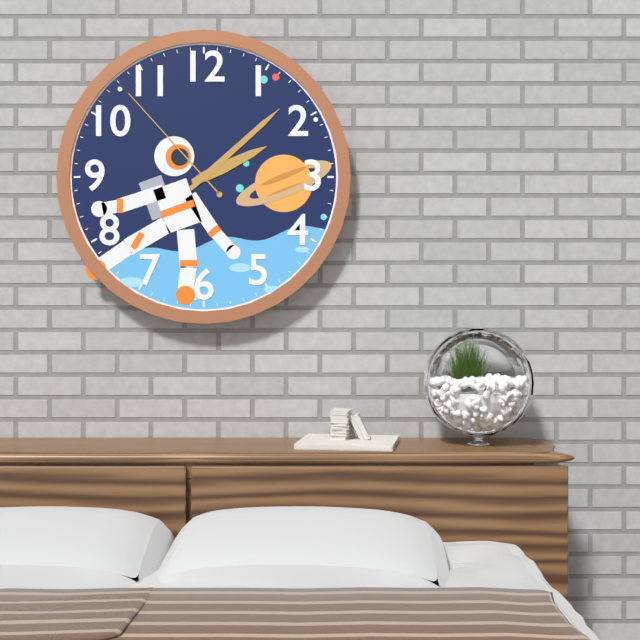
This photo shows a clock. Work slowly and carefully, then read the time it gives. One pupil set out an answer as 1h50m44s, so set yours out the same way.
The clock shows 2h08m53s
